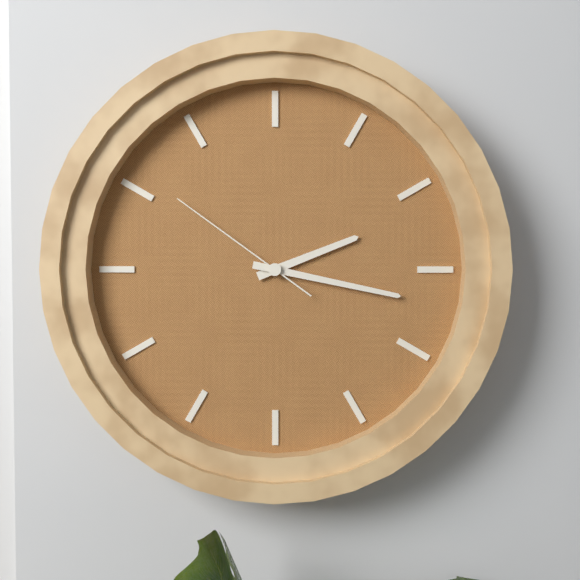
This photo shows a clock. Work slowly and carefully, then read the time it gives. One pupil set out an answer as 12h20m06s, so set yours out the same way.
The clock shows 2h17m51s
